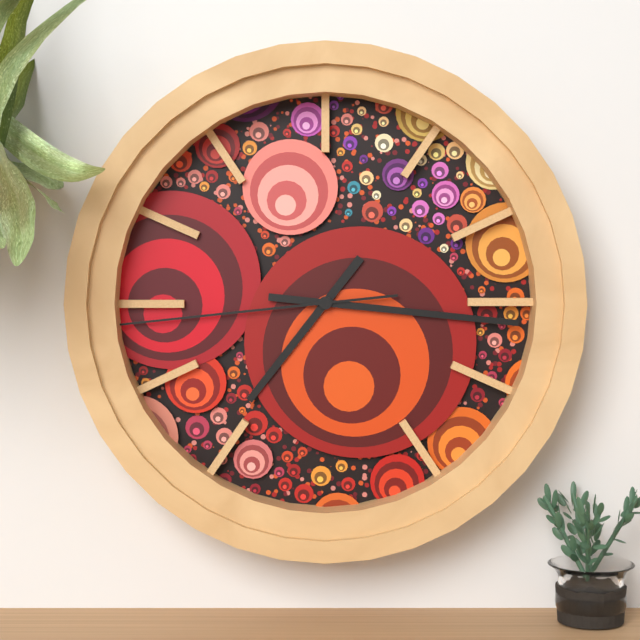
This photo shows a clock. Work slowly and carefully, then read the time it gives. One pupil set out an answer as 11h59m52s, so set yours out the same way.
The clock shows 7h16m44s
